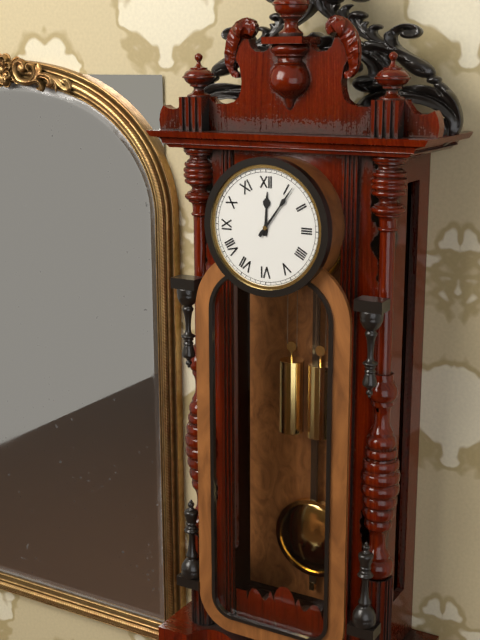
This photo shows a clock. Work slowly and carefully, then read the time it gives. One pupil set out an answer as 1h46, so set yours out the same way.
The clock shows 12h06
